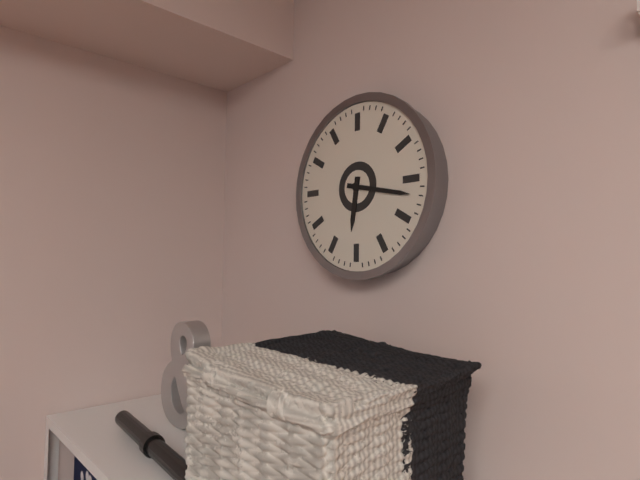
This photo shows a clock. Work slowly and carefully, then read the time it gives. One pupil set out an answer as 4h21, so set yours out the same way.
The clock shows 6h17
